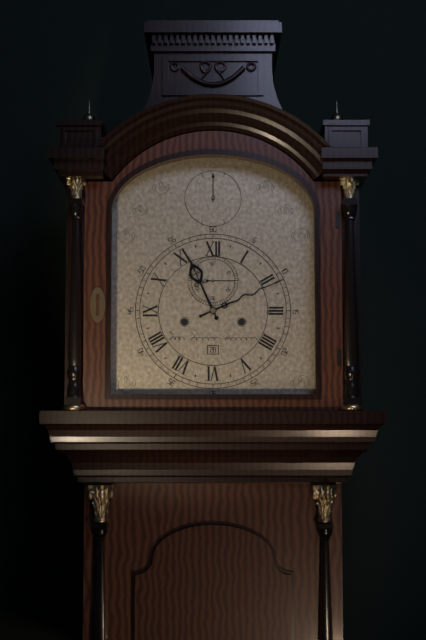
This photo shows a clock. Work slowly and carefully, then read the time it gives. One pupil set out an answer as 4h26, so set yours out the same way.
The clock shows 11h11
